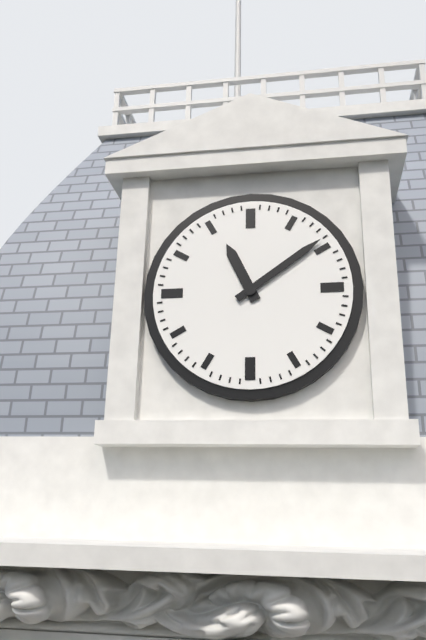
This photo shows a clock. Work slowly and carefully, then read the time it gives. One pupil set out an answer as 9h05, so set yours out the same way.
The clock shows 11h09
